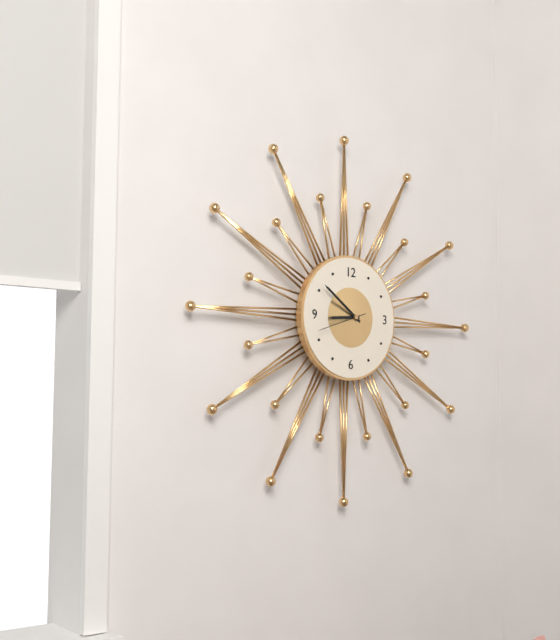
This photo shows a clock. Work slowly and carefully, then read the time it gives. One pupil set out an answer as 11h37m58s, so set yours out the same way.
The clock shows 8h51m42s
